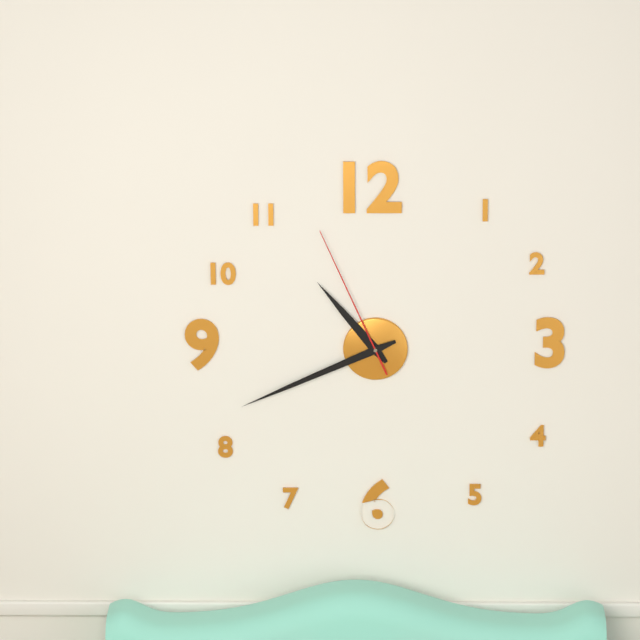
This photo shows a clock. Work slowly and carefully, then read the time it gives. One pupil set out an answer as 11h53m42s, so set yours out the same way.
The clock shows 10h41m56s
